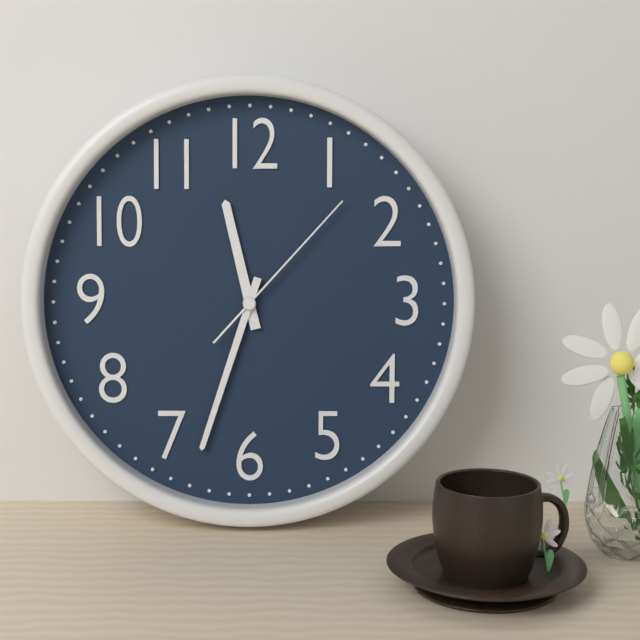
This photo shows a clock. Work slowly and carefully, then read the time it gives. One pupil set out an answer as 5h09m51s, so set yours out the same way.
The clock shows 11h33m07s
